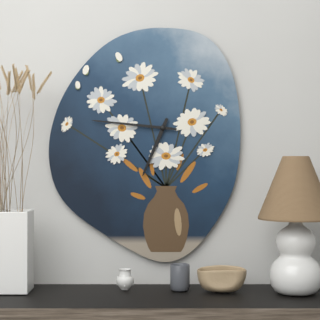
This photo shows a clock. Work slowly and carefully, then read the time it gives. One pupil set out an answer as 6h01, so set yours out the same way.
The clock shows 6h46
